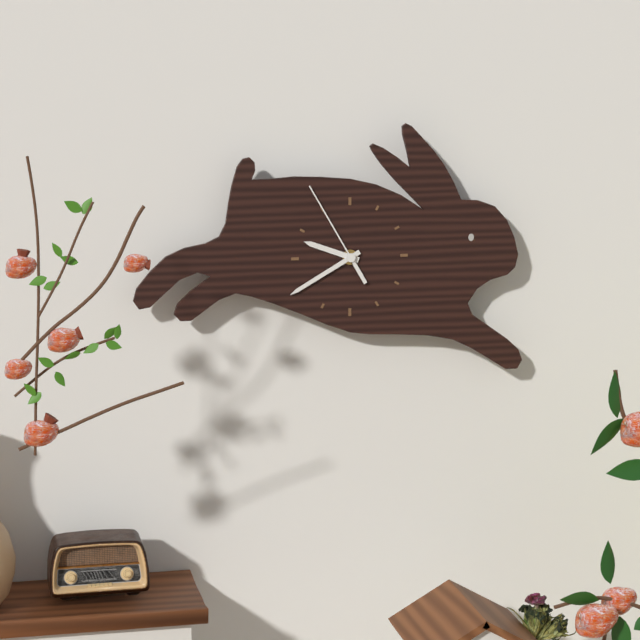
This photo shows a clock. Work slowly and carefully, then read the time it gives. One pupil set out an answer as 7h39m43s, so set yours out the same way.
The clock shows 9h40m55s
